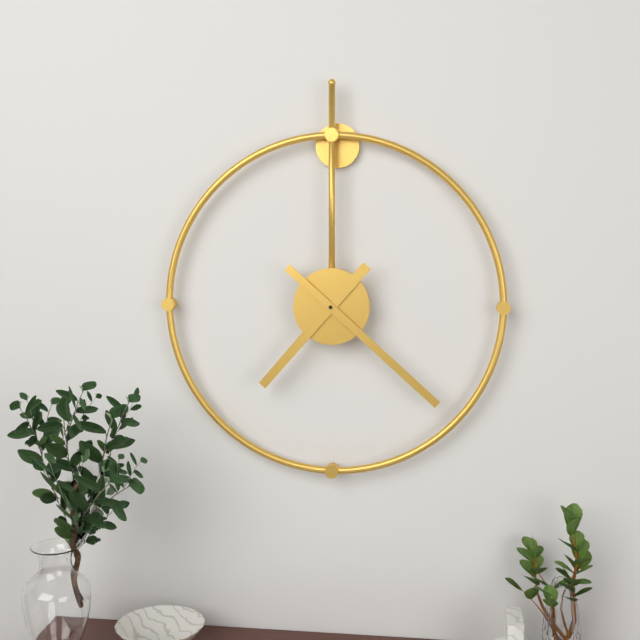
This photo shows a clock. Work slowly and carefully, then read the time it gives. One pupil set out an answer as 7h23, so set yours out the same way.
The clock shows 7h22
